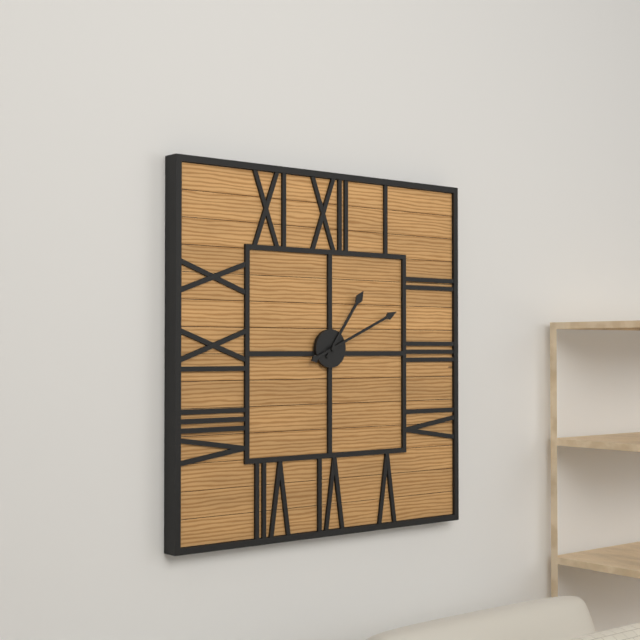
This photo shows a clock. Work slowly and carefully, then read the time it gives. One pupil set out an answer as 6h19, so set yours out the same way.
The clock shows 1h11
